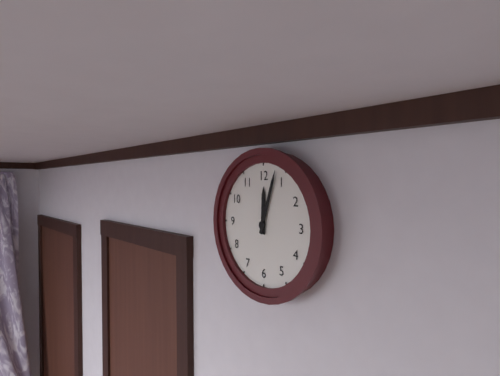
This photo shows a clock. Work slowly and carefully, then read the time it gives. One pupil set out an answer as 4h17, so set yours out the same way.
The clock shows 12h03
